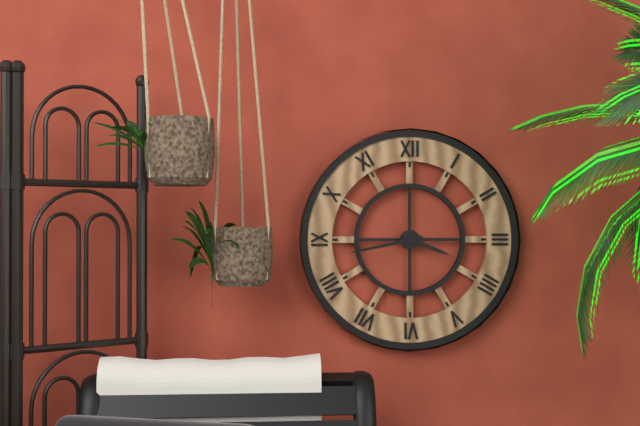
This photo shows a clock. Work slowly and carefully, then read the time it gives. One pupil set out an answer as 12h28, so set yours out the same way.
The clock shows 3h43
